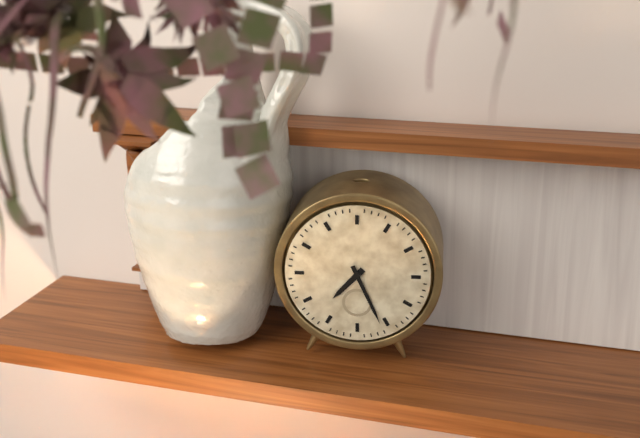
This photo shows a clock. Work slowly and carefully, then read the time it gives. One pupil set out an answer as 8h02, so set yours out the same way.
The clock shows 7h26
